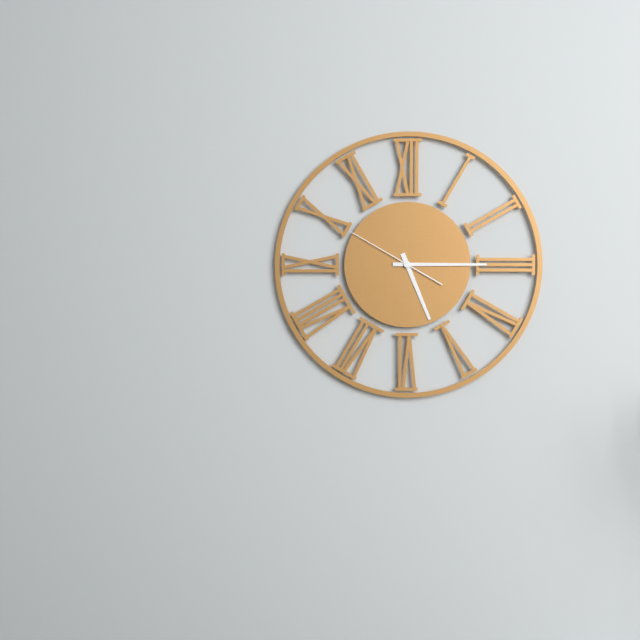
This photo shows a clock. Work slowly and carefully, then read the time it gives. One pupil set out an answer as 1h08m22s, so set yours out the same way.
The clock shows 5h15m50s
